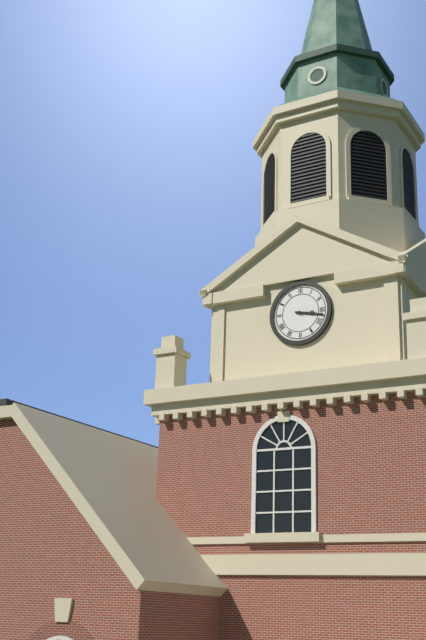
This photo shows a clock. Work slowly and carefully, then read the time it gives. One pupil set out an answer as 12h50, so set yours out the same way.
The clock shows 3h17
